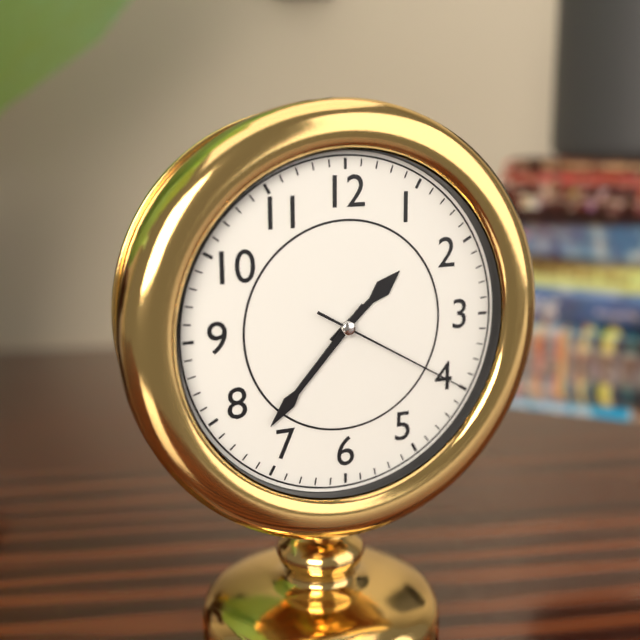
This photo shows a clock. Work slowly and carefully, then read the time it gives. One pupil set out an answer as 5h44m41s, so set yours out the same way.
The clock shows 1h37m20s
